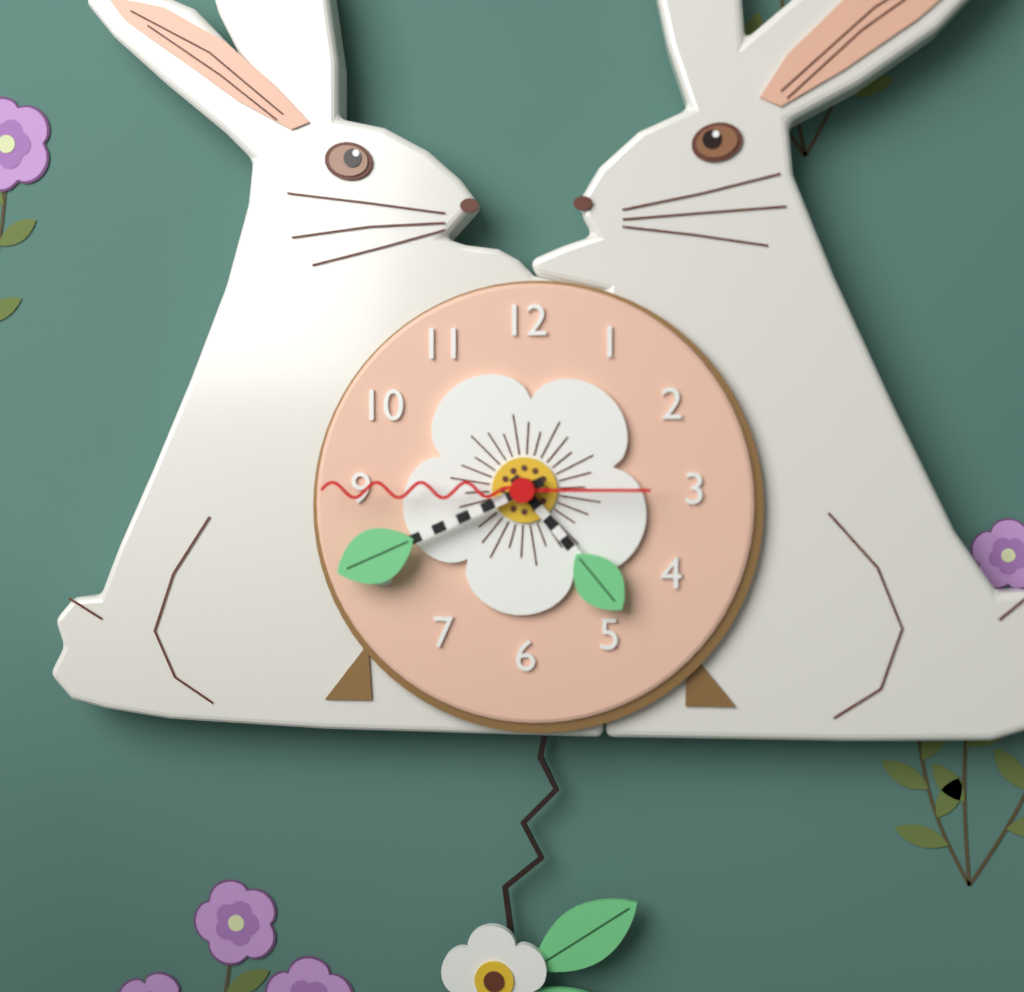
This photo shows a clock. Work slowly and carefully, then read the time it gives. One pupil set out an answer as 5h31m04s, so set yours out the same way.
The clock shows 4h41m45s
